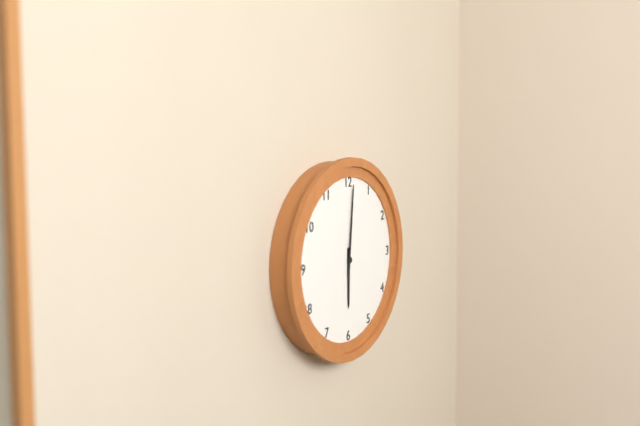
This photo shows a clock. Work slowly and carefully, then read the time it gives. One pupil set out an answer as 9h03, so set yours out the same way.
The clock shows 6h01
